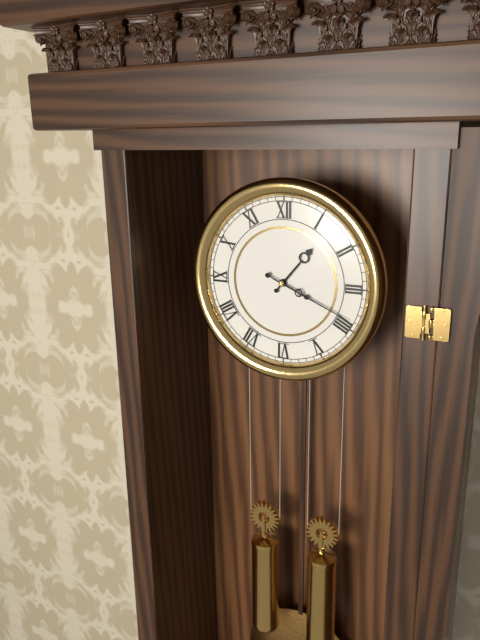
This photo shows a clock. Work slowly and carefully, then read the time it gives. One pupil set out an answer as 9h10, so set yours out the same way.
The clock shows 1h19
